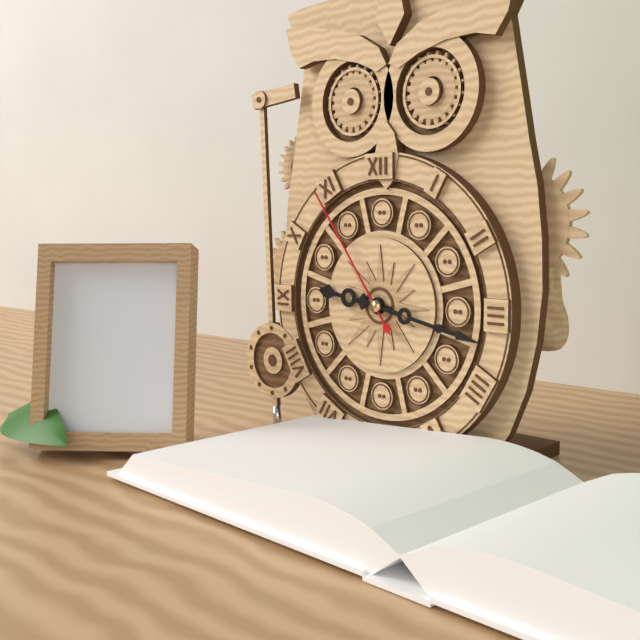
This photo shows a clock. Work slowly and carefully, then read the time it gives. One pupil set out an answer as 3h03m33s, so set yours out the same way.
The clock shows 9h17m54s
